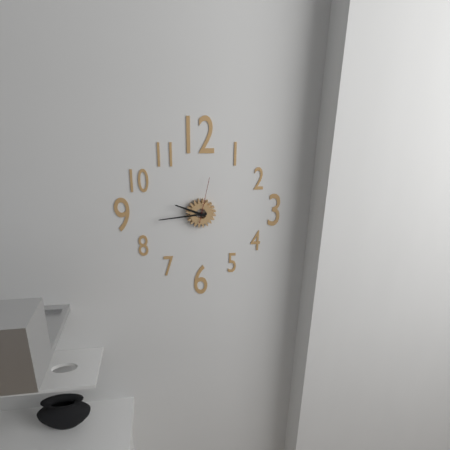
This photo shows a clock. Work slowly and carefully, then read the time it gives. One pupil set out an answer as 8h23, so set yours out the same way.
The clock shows 9h44
